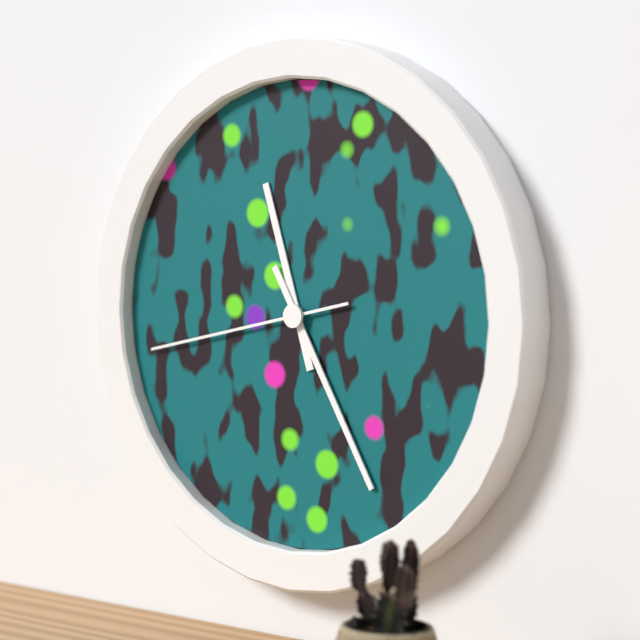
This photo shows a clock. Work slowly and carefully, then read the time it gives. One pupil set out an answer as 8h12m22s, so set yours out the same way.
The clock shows 11h25m43s
